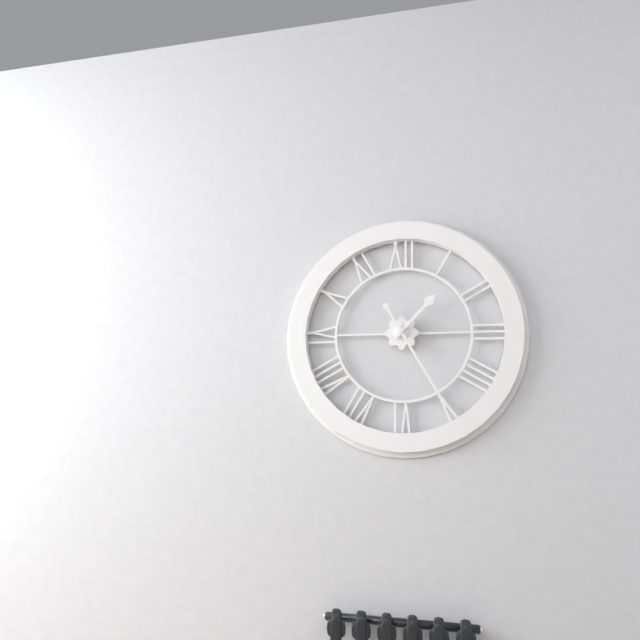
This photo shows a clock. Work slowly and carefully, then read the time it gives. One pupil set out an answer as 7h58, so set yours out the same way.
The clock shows 1h25
